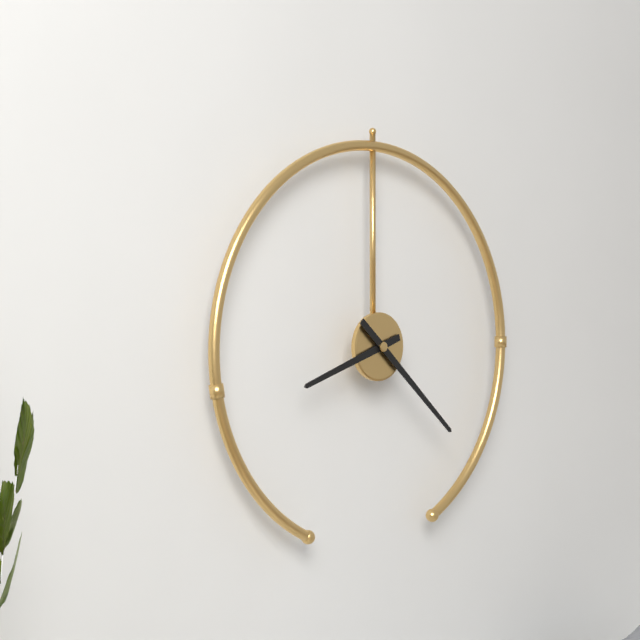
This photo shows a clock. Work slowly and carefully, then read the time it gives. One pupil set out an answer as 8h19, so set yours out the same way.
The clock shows 8h22
